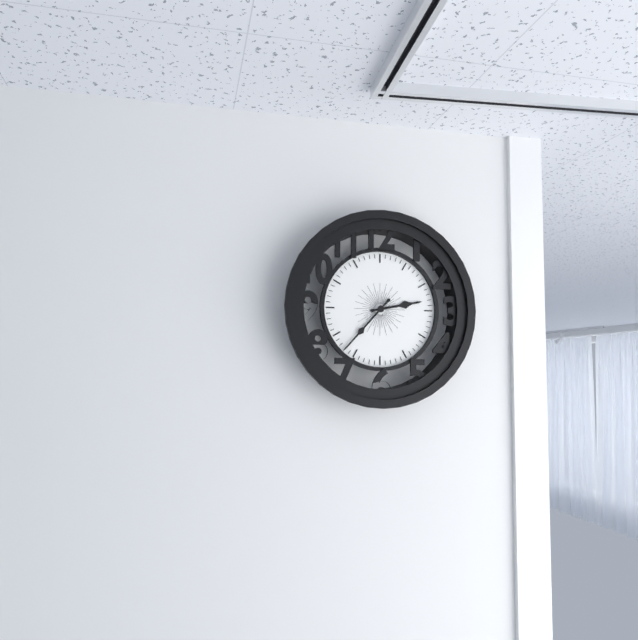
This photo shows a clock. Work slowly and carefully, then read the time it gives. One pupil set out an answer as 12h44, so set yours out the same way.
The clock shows 2h37
